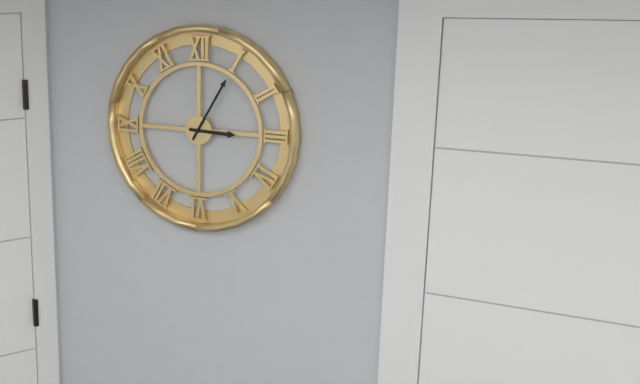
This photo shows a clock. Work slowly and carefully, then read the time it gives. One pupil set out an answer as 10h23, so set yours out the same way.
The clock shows 3h05
